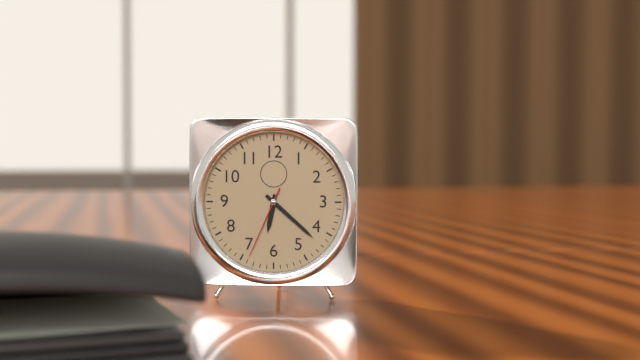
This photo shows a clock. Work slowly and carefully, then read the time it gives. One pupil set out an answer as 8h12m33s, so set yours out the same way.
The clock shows 6h22m34s
